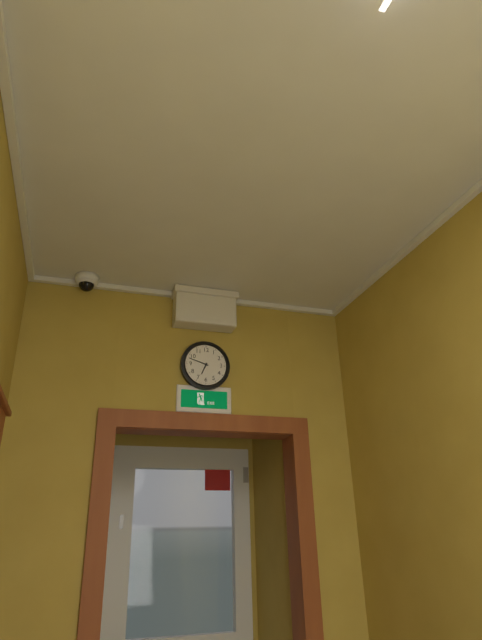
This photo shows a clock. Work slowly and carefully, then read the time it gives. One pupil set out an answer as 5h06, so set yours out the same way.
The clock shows 6h48
